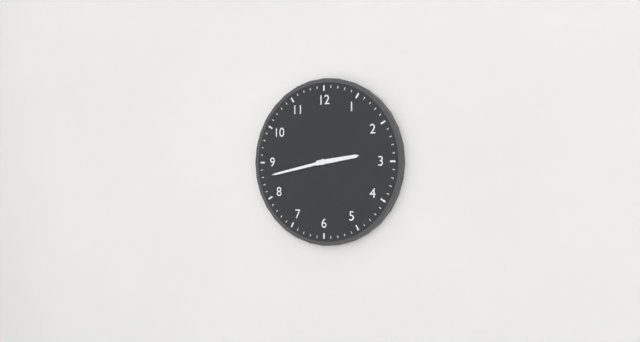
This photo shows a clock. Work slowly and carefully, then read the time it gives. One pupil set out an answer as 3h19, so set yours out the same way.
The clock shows 2h43
